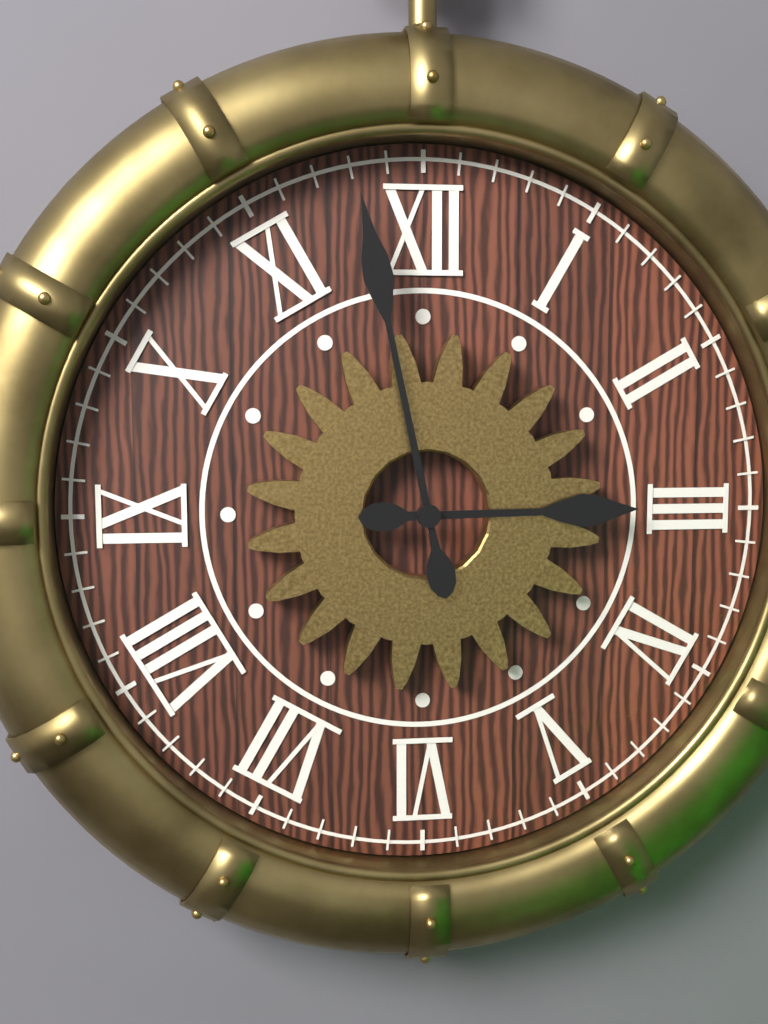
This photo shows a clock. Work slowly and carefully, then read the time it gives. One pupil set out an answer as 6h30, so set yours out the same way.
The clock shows 2h58
